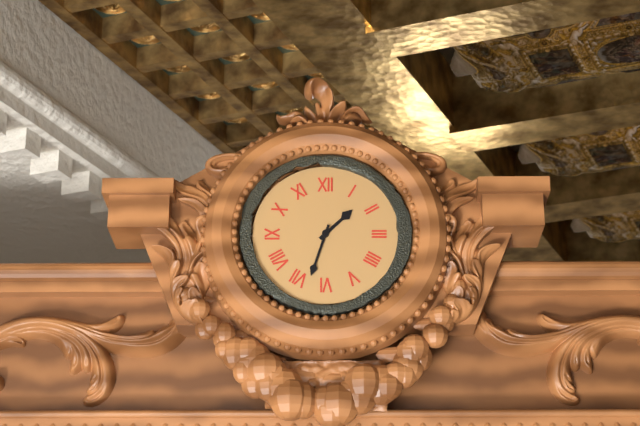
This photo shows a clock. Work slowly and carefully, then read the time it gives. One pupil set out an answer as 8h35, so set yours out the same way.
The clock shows 1h33
